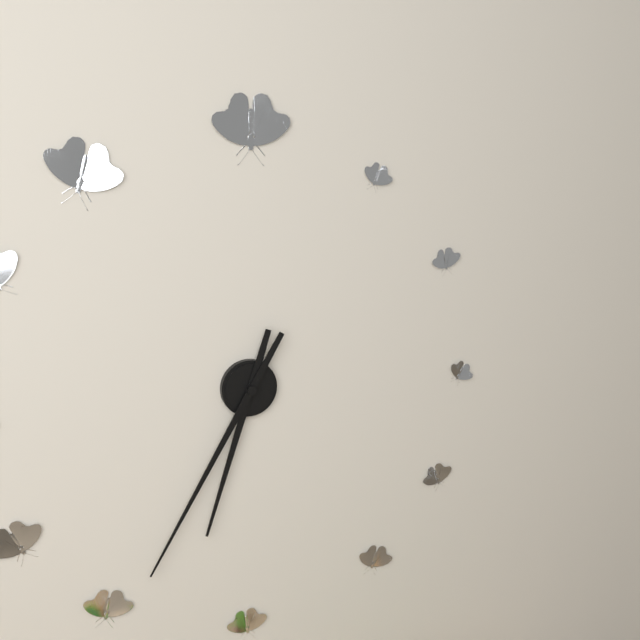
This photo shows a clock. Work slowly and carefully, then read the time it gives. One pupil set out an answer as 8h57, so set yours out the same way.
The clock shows 6h35
